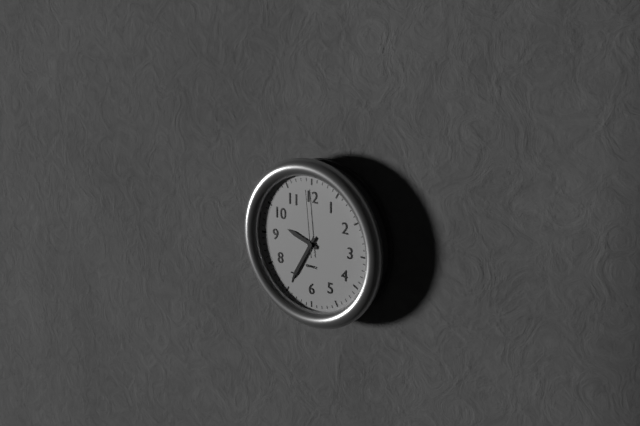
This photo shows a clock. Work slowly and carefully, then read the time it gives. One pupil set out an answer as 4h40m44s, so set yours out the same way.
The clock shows 9h35m59s
